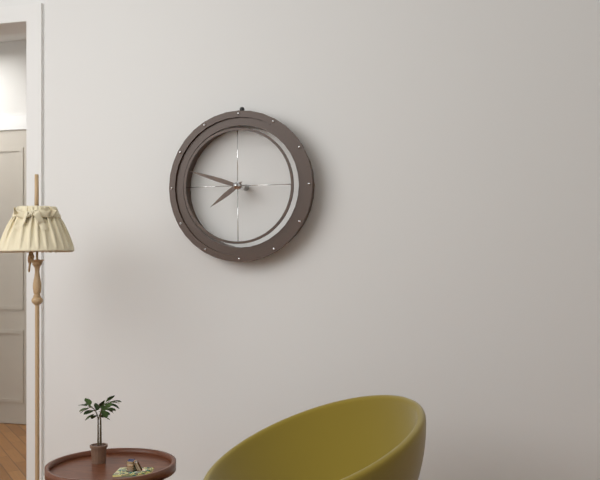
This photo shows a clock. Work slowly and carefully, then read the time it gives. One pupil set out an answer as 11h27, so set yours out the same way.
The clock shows 7h48
